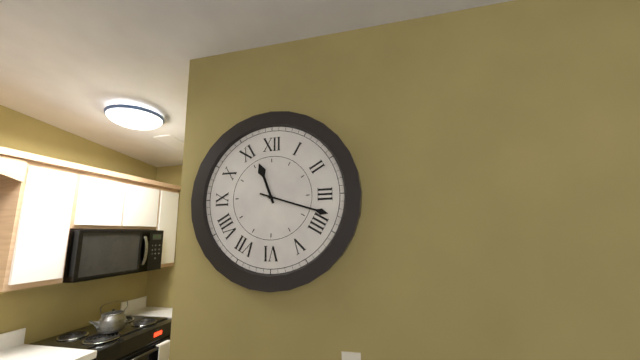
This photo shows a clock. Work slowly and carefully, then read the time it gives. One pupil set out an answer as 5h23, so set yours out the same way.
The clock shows 11h18
